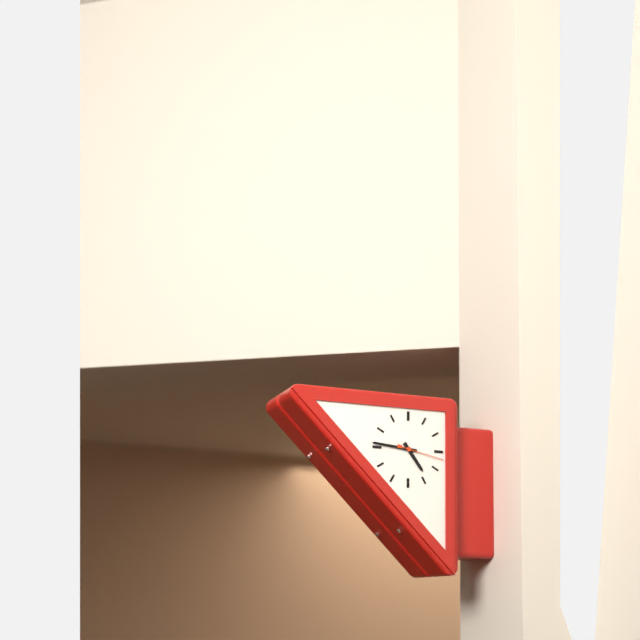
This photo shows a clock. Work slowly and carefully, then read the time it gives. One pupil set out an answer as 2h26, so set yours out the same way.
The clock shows 4h46
